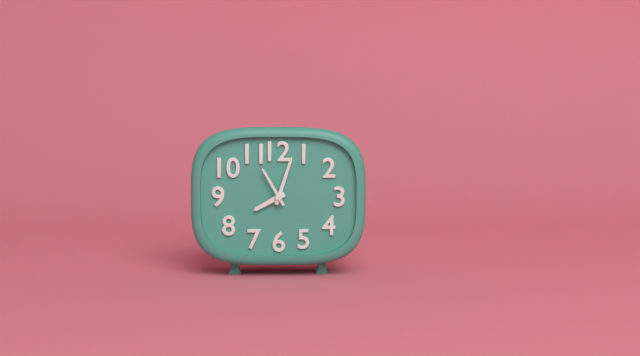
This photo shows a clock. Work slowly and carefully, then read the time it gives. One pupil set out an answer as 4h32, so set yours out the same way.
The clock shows 8h03
